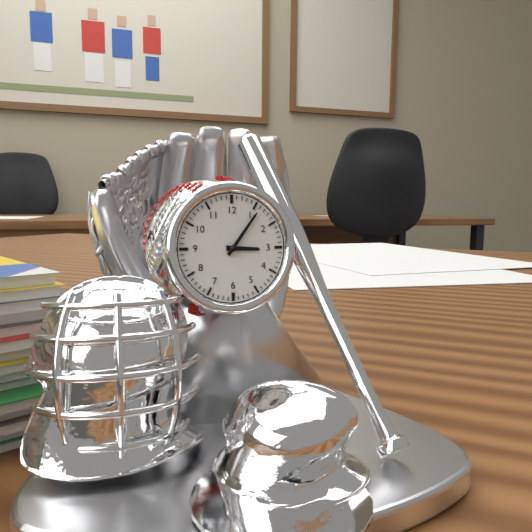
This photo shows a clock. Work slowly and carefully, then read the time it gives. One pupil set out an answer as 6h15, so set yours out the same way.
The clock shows 3h06
